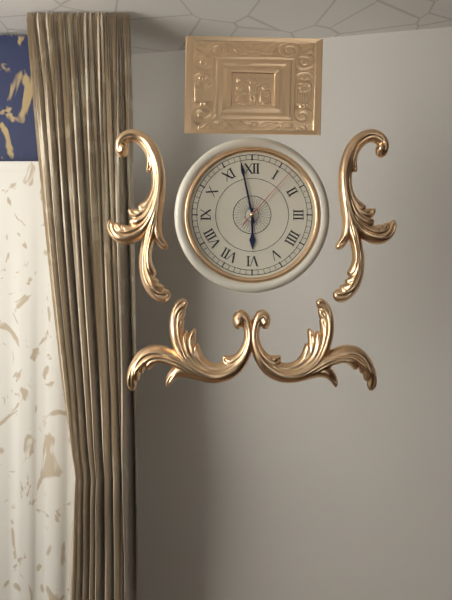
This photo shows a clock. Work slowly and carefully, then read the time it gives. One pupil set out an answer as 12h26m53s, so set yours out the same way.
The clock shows 5h58m07s
